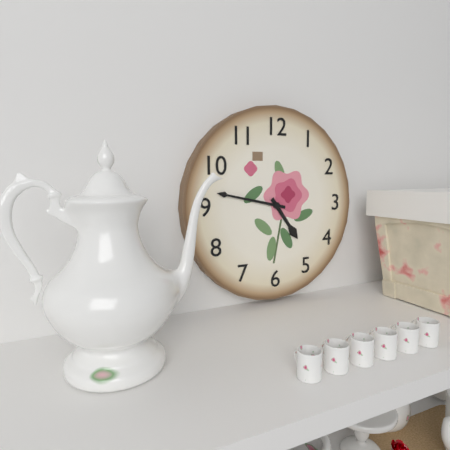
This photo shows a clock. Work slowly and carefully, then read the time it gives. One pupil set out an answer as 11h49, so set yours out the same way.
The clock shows 4h47
